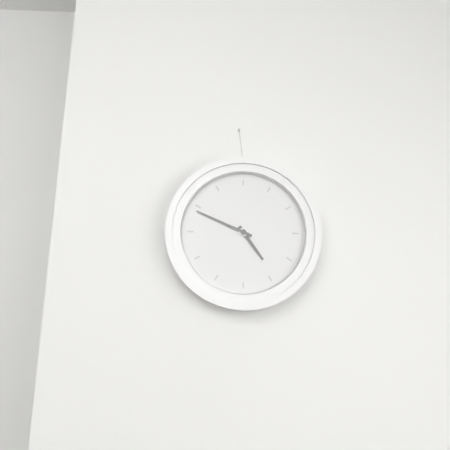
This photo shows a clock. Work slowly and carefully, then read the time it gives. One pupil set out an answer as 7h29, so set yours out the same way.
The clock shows 4h49
